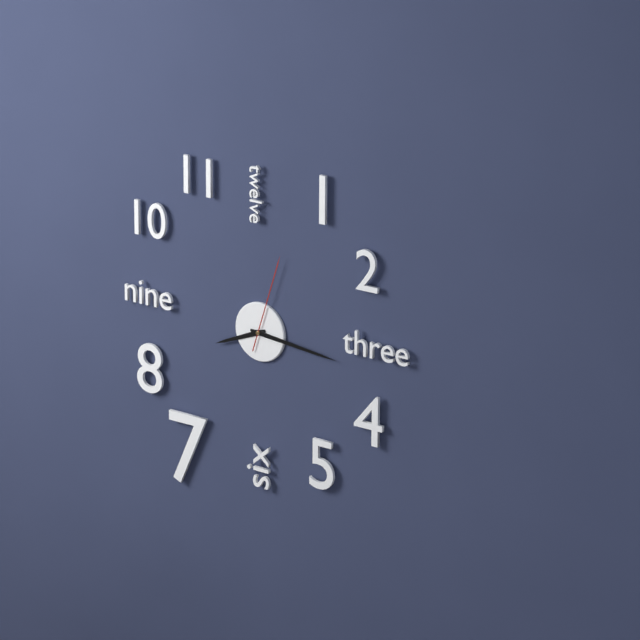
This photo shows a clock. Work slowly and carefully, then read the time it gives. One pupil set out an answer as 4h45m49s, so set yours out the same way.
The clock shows 8h16m03s
